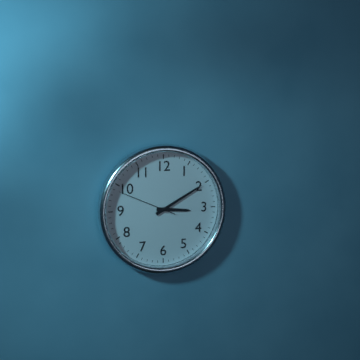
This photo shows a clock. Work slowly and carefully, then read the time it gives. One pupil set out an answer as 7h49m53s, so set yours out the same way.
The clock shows 3h10m49s
